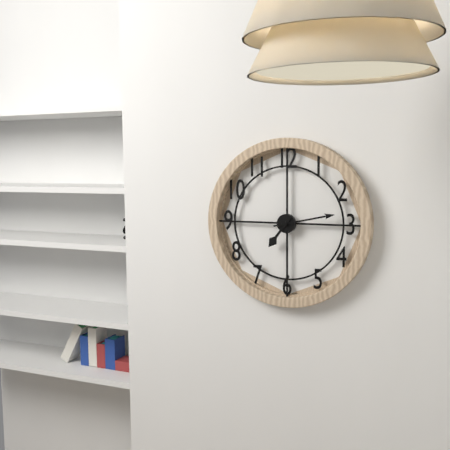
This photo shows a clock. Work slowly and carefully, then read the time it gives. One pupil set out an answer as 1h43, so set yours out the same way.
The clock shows 7h13
